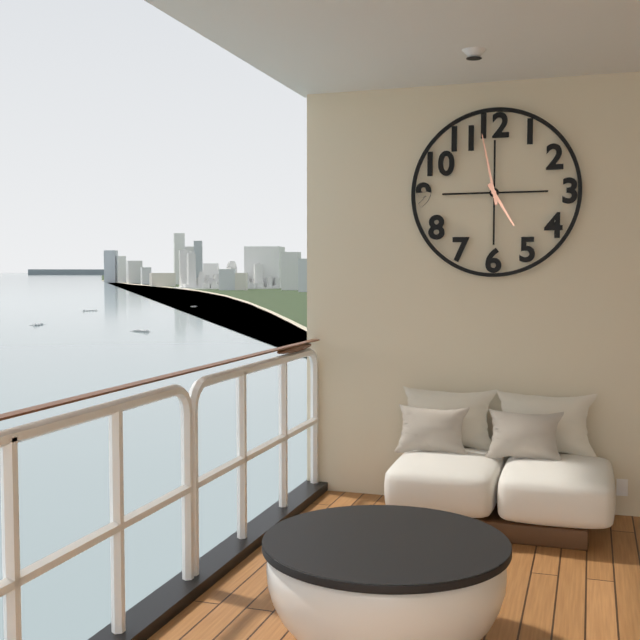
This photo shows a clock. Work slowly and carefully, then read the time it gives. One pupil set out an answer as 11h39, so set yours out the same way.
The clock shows 4h58
